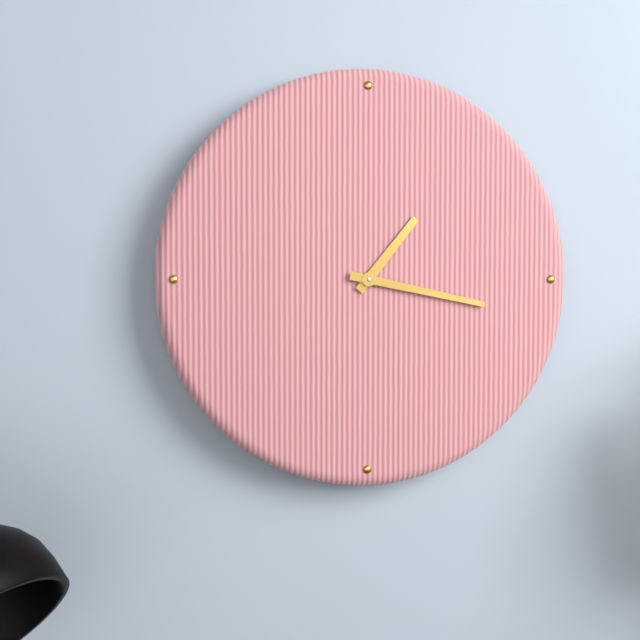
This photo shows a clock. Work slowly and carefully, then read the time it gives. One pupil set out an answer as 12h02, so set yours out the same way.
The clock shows 1h17
